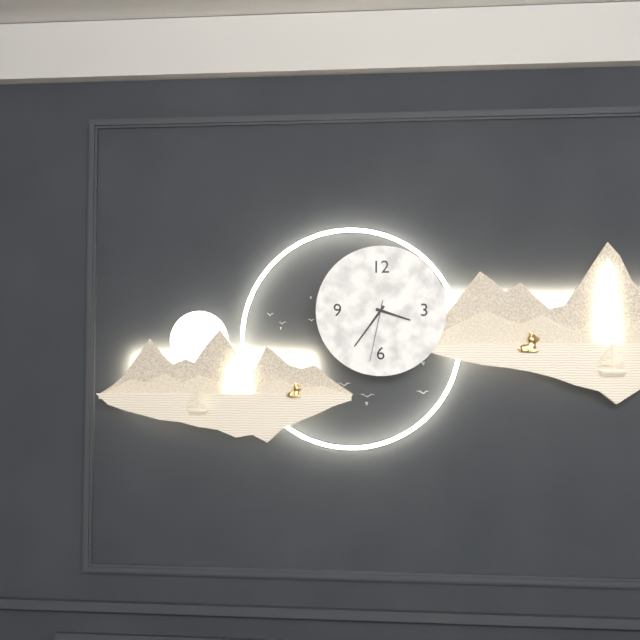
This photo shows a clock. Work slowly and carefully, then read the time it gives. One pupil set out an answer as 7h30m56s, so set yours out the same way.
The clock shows 3h36m32s
